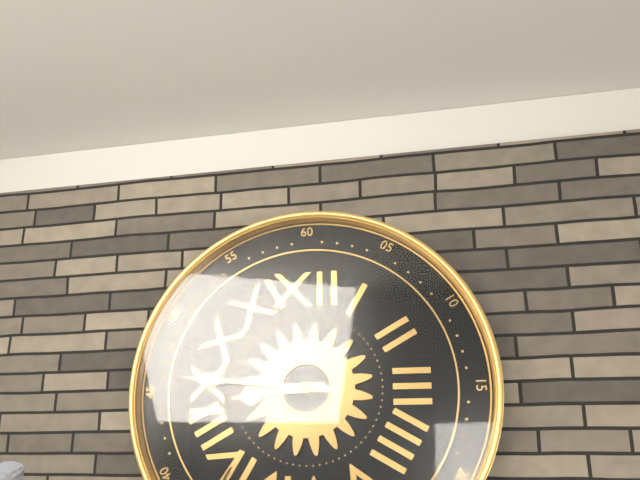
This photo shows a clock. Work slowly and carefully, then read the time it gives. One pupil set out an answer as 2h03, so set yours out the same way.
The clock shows 8h46
